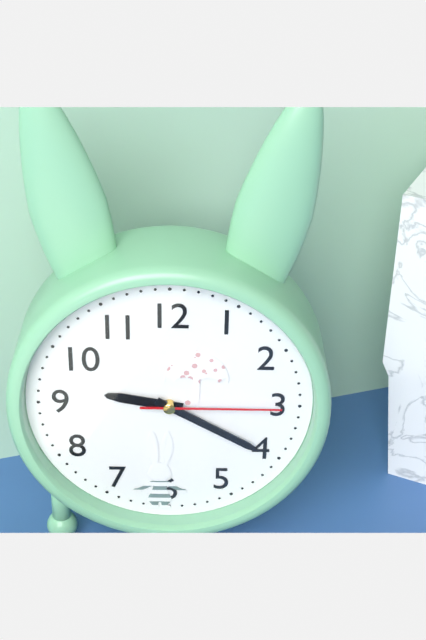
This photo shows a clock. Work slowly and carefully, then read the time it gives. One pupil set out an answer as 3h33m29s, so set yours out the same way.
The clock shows 9h20m15s
